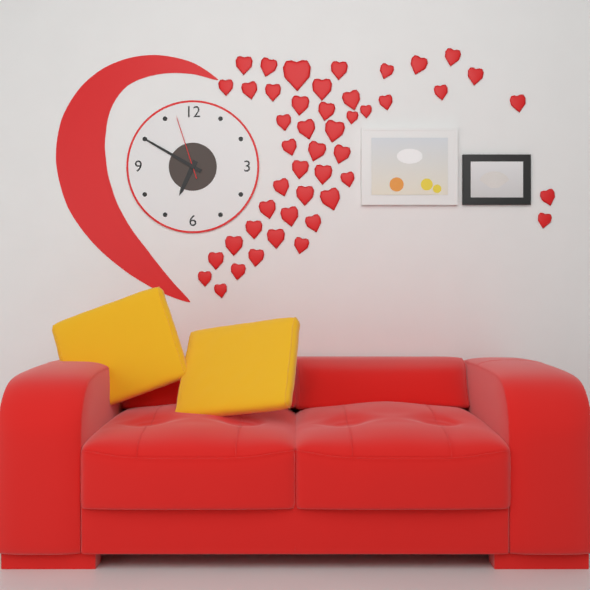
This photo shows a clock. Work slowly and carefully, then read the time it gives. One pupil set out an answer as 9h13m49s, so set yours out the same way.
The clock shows 6h50m57s
